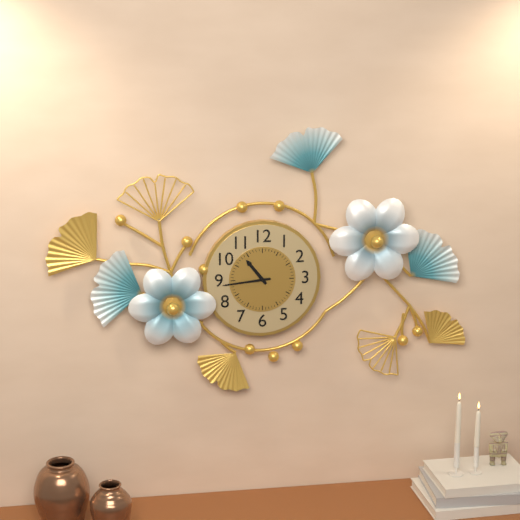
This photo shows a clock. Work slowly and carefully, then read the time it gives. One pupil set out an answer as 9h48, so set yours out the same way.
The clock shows 10h44
